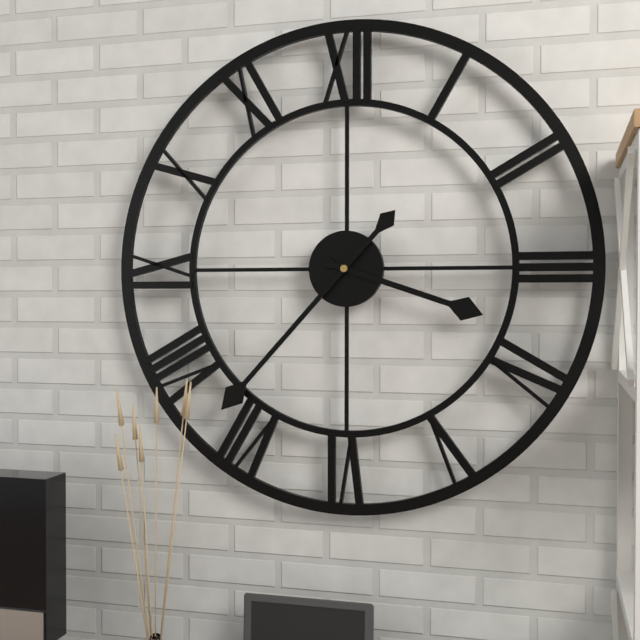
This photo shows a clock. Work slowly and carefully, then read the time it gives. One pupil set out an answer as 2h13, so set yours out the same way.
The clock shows 3h37
